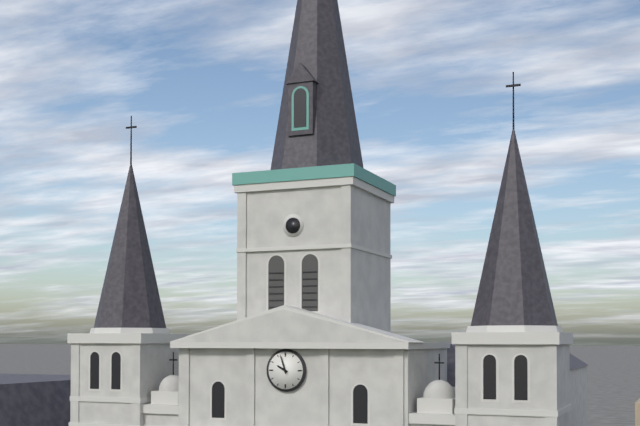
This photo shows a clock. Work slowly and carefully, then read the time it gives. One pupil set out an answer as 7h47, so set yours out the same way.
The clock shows 9h57
